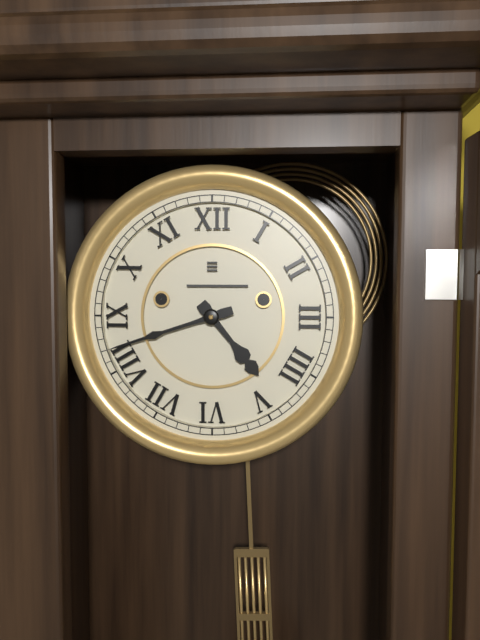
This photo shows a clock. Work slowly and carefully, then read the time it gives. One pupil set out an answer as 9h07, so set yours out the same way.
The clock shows 4h42
